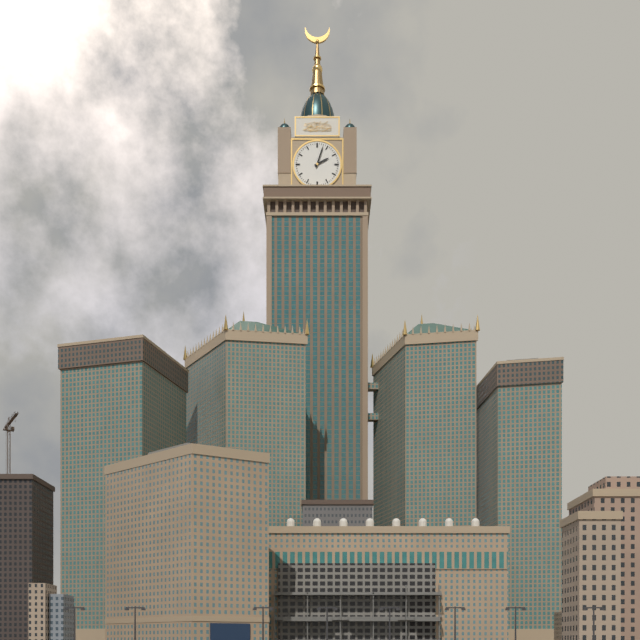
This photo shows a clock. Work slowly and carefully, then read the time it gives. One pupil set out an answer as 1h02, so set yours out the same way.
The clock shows 2h03
